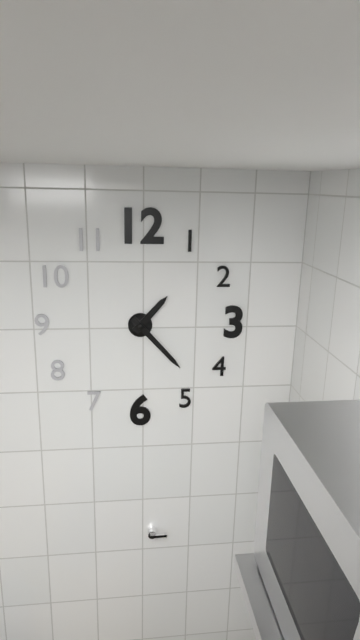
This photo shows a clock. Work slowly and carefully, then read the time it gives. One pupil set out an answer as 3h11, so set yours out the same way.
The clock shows 1h23
